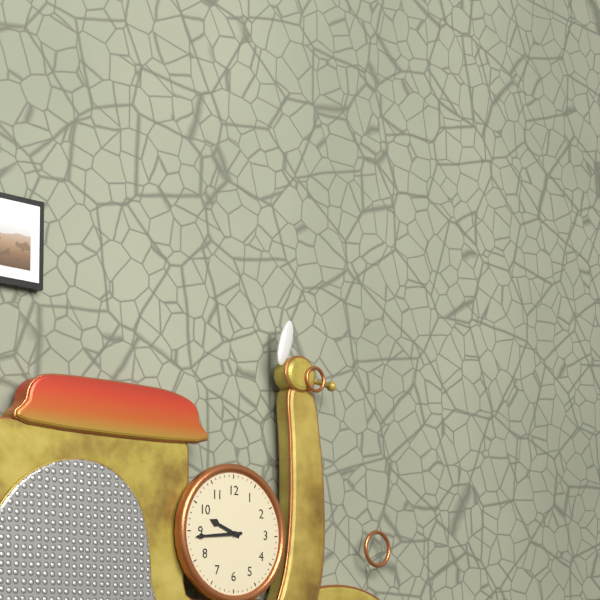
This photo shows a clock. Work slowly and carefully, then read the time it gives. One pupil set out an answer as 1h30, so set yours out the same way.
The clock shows 9h44
